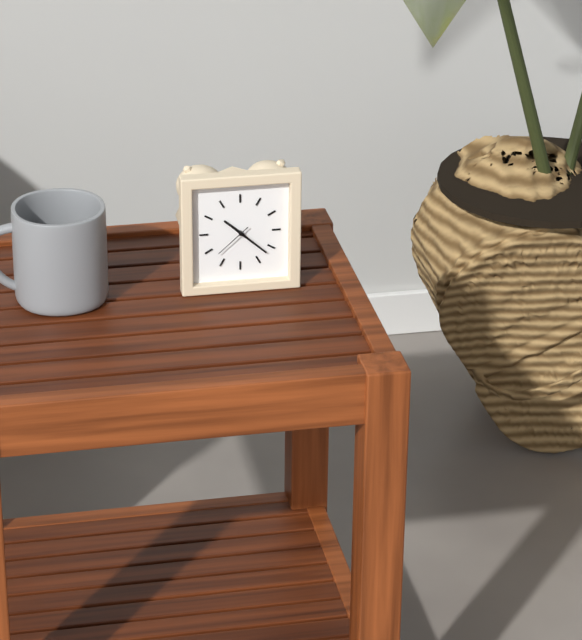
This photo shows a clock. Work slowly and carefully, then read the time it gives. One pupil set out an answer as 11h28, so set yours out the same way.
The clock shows 10h22
